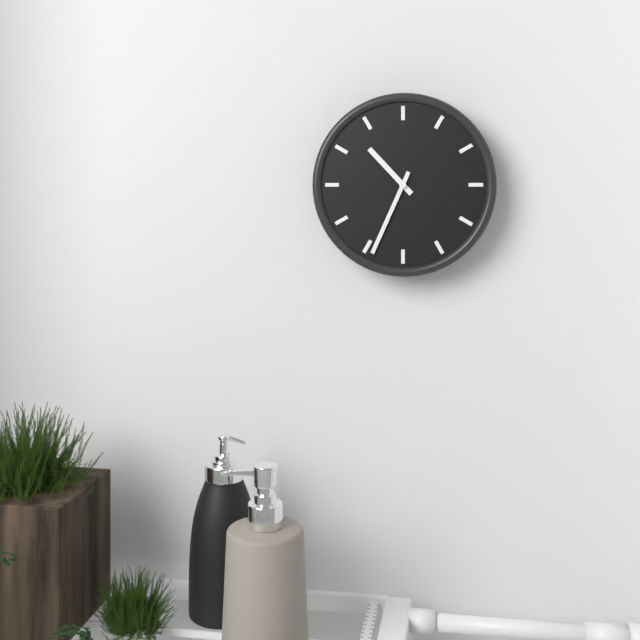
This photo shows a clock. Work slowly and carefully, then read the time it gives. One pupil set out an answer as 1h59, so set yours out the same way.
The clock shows 10h34
